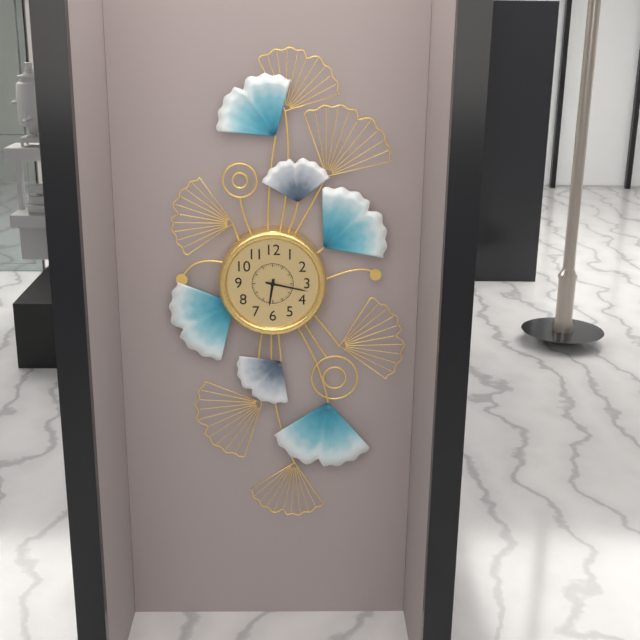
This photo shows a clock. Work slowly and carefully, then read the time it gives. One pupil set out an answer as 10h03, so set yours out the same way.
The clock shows 6h17
